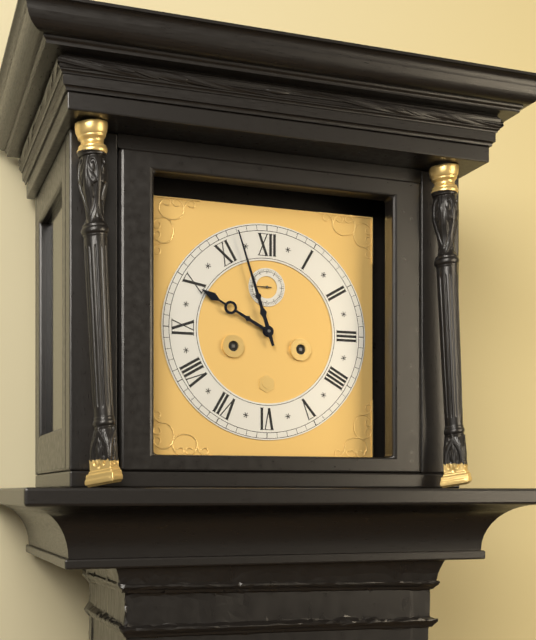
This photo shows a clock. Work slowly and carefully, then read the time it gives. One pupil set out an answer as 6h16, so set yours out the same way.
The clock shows 9h57
